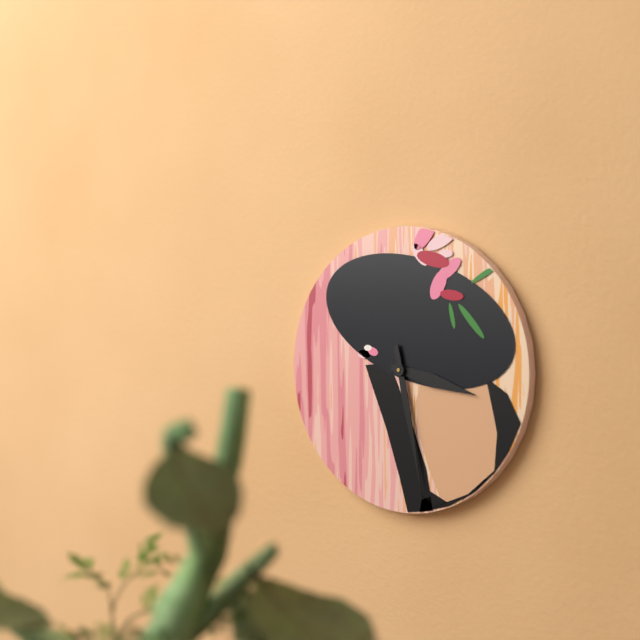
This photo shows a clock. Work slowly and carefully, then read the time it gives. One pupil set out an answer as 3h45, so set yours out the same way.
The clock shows 3h28
